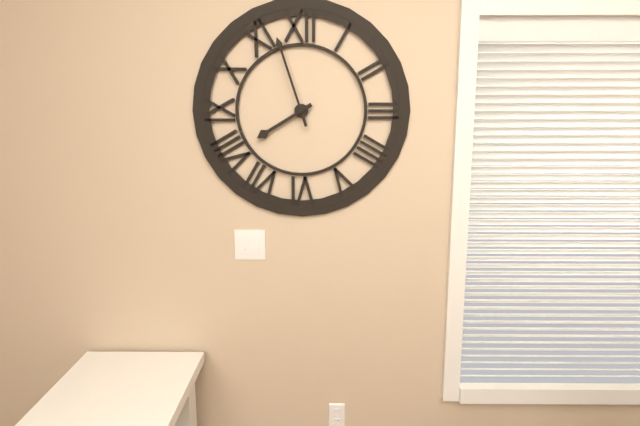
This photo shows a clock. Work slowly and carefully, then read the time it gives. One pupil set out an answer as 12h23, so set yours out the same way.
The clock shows 7h57
